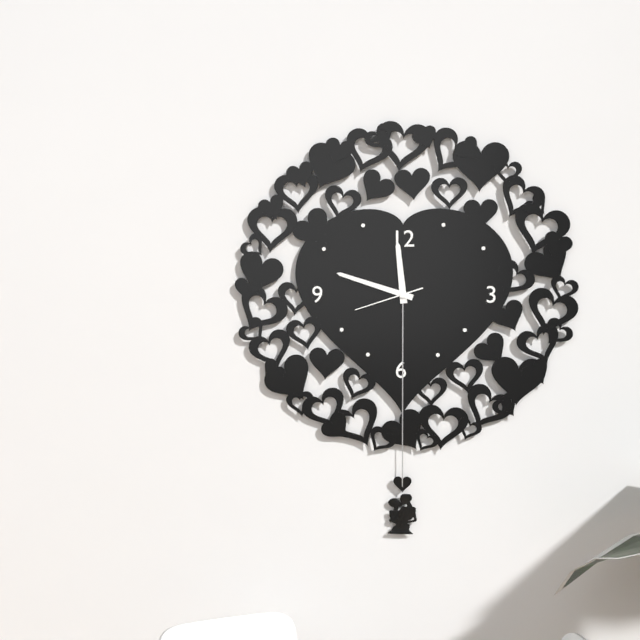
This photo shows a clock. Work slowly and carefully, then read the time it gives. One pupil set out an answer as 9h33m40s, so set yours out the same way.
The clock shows 11h48m42s
